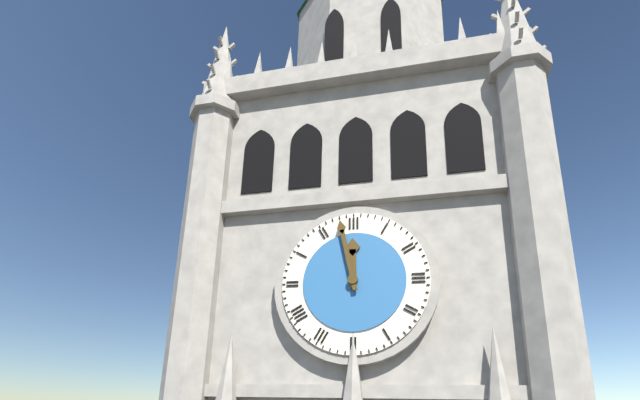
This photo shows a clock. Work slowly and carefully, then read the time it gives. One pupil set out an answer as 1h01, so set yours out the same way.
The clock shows 11h58
